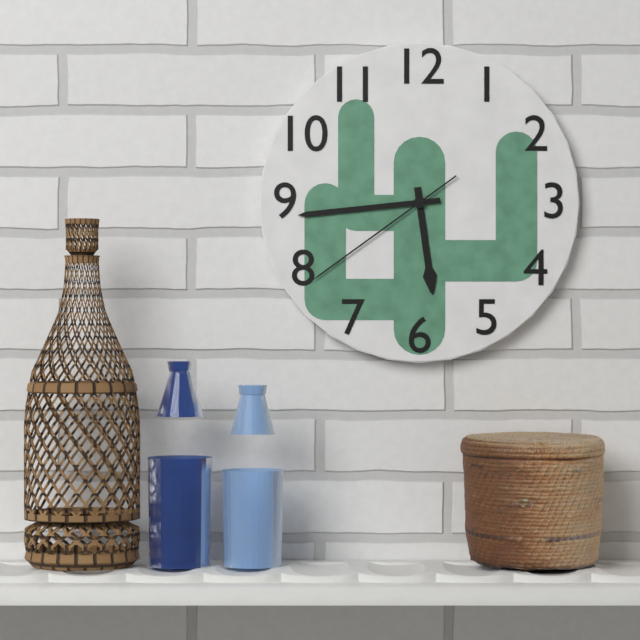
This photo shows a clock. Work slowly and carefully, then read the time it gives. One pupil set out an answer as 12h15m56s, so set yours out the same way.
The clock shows 5h44m39s
